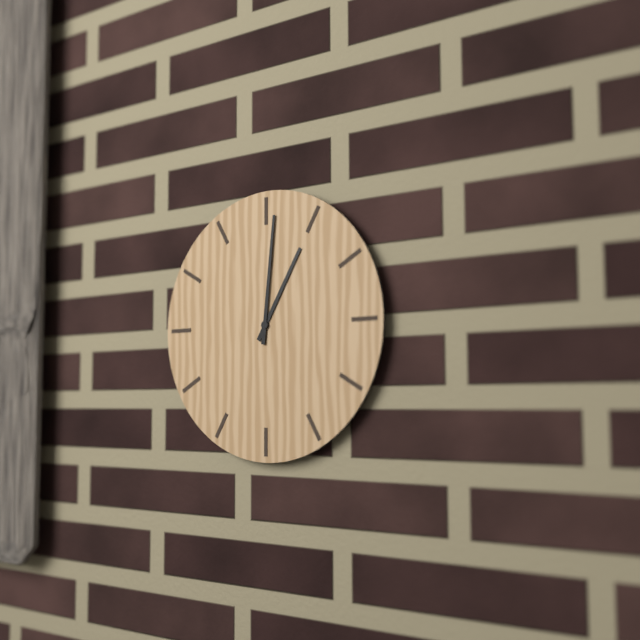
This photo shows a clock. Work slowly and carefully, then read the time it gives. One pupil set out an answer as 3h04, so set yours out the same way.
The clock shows 1h01
